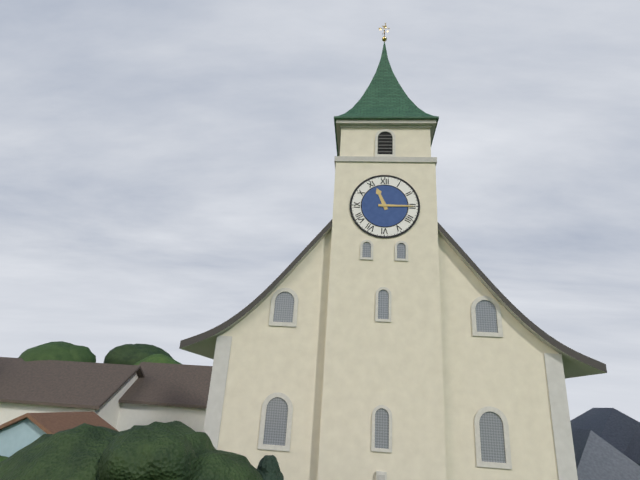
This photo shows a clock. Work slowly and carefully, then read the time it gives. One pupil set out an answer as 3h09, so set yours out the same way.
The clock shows 11h15
